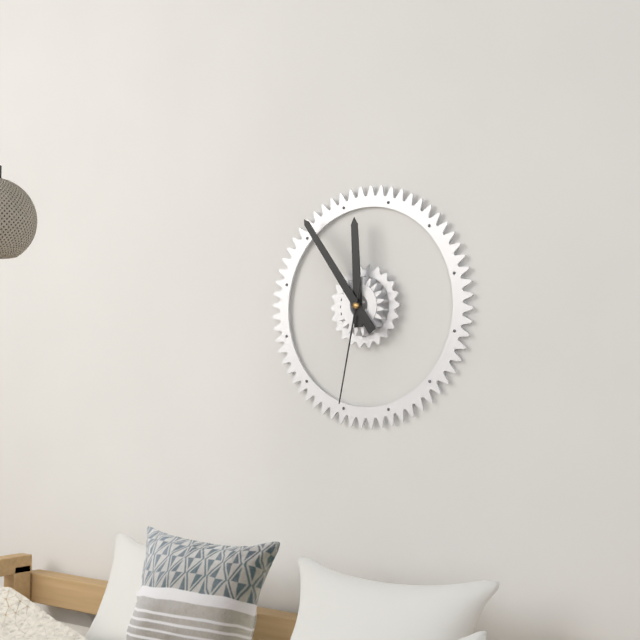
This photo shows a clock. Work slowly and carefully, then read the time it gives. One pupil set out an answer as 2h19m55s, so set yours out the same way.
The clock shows 11h54m32s
